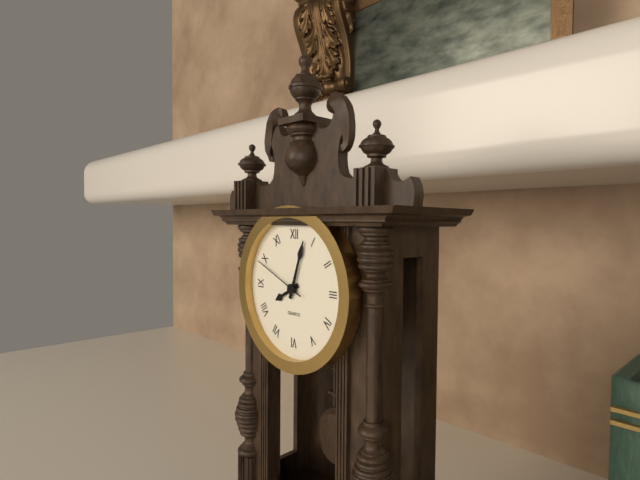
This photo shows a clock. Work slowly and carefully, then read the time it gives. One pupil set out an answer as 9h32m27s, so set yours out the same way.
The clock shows 8h03m49s
